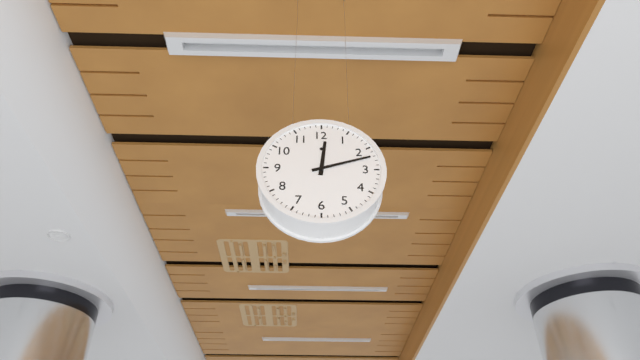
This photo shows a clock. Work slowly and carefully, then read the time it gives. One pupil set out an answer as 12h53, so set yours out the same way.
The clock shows 12h12
